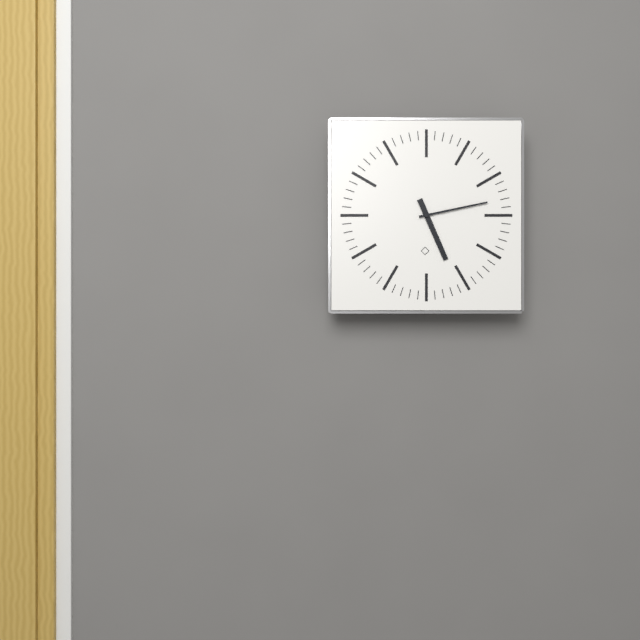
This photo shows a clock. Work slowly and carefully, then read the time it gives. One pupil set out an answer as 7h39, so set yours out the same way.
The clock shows 5h13
